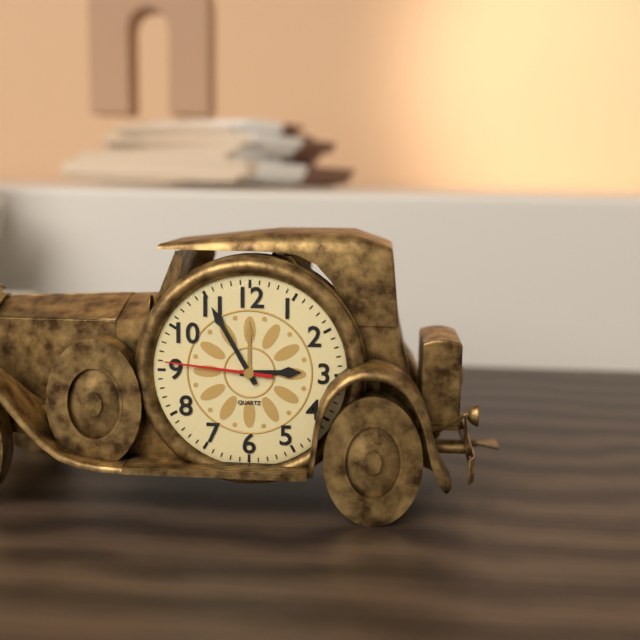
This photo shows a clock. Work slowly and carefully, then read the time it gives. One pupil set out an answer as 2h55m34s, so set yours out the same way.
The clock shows 2h55m46s
